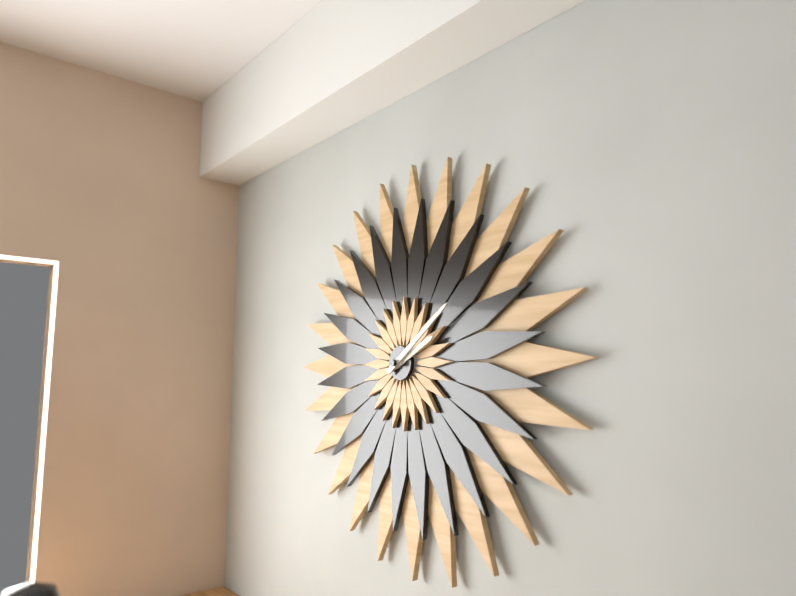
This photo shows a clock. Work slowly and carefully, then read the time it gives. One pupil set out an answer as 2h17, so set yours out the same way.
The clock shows 2h09
